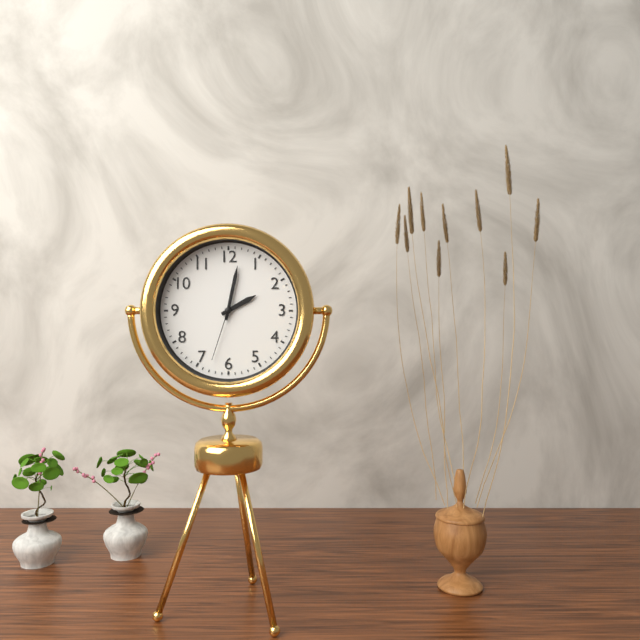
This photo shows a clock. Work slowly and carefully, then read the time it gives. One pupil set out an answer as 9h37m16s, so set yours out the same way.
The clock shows 2h02m33s
